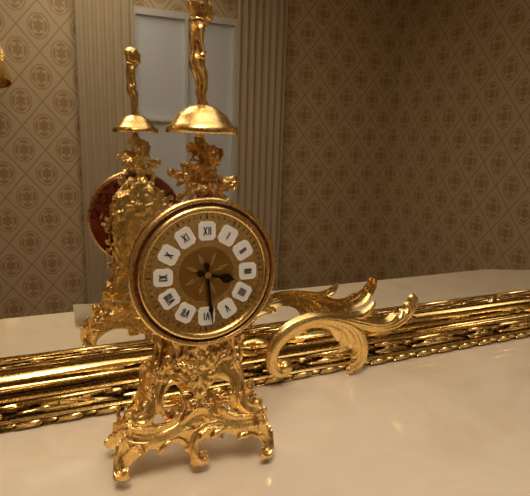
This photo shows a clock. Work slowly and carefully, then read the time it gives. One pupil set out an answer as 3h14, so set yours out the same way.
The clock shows 3h29
